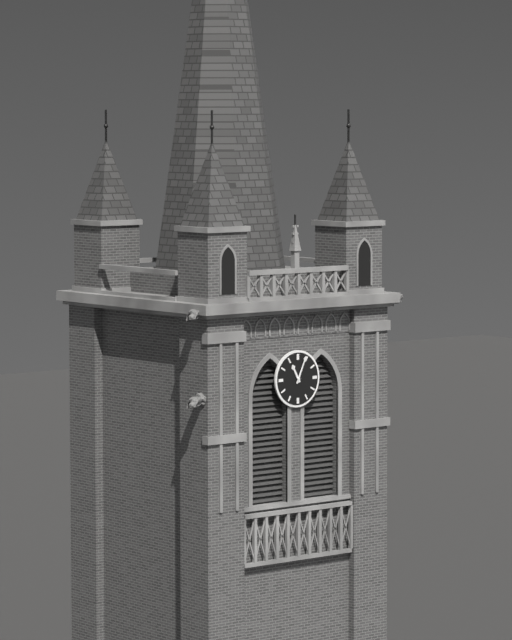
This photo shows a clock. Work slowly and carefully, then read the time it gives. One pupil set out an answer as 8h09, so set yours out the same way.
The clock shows 11h04
